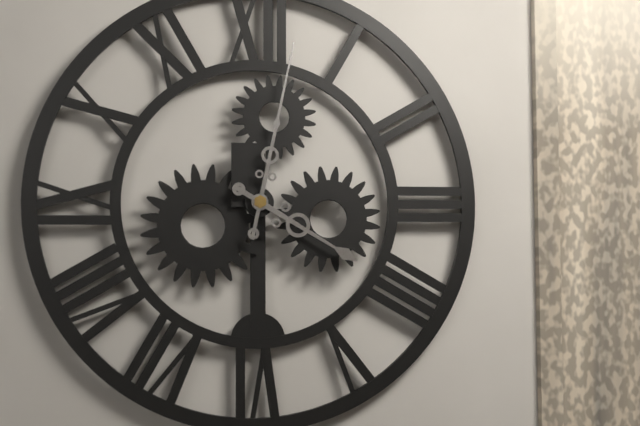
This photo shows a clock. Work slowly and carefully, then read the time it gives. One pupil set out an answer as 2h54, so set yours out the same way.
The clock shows 4h02
